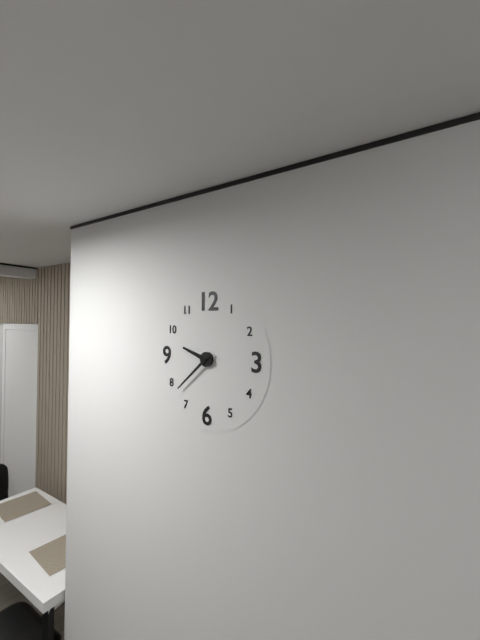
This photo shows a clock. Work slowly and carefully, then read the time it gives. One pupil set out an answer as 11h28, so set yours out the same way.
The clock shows 9h38
